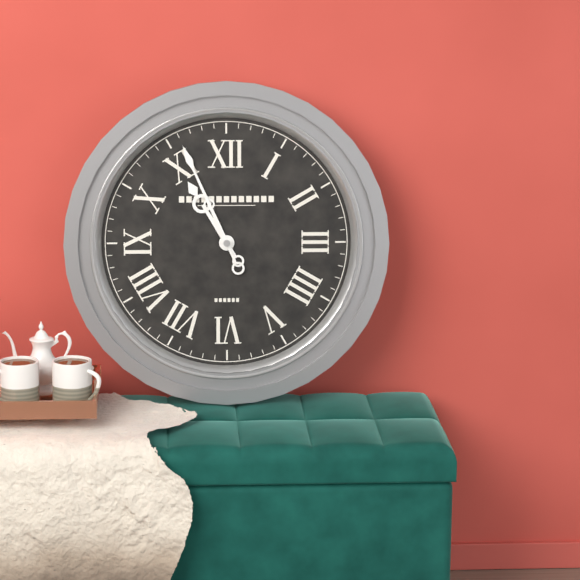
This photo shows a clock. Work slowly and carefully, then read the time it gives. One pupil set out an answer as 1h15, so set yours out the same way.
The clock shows 10h56
